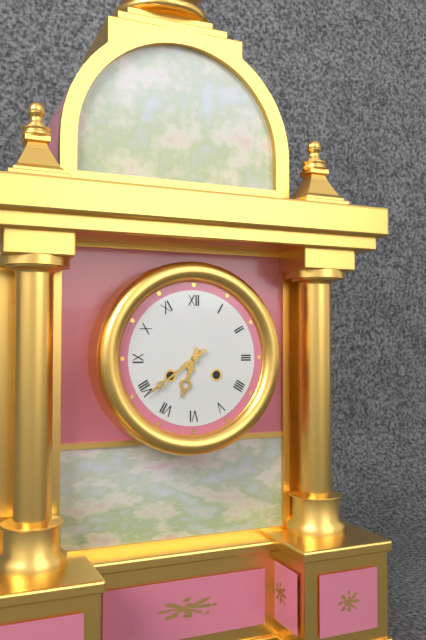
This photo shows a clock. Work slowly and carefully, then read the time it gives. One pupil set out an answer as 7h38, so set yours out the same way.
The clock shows 6h39
